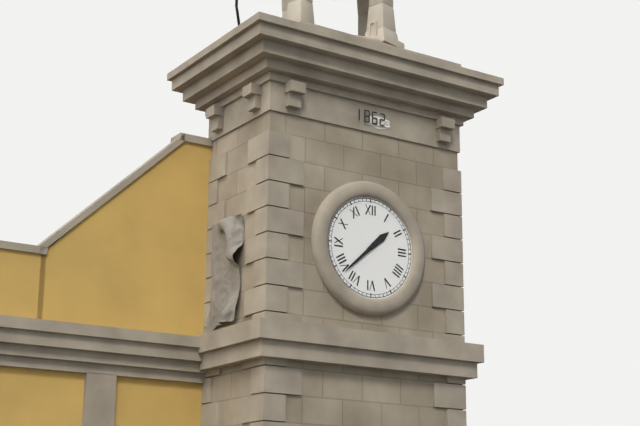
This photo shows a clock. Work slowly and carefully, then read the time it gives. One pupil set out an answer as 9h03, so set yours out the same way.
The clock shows 1h38
